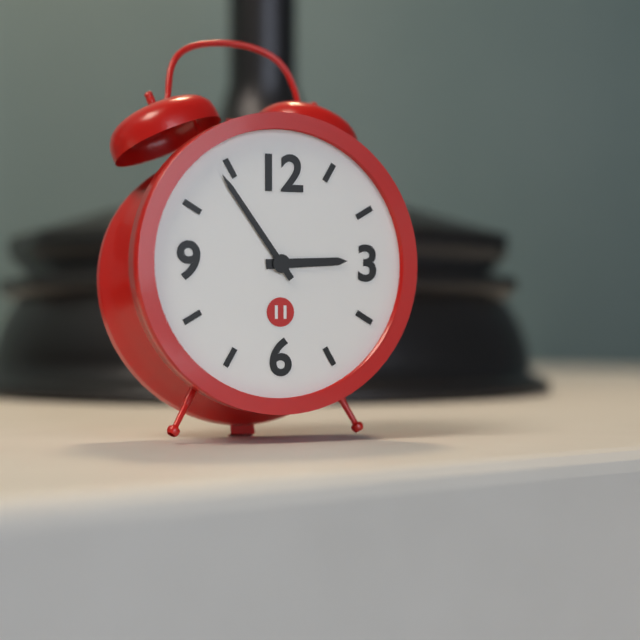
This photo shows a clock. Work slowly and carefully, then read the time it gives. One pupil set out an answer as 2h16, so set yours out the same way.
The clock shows 2h54
